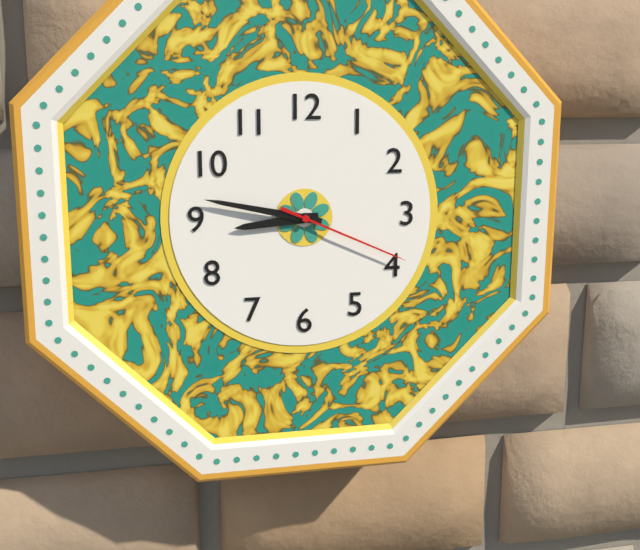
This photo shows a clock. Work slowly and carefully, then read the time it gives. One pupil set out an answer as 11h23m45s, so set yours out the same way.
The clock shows 8h47m19s
